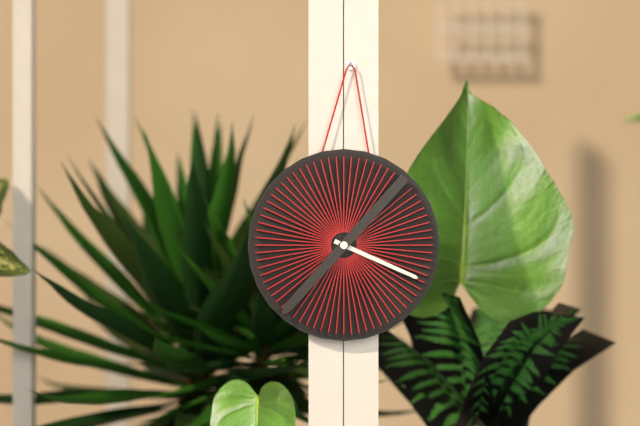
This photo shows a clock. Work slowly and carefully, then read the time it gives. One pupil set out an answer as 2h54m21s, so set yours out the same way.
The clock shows 7h19m37s
